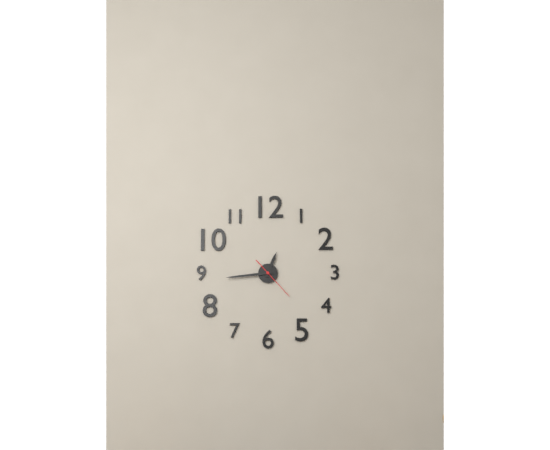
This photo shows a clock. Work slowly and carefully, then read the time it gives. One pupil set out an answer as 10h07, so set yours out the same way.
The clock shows 12h44
